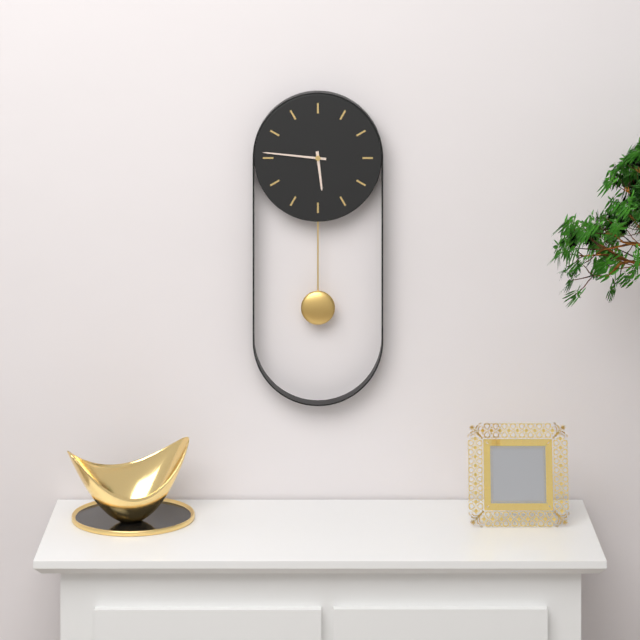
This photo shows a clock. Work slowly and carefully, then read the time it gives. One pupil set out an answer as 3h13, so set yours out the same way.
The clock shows 5h46
